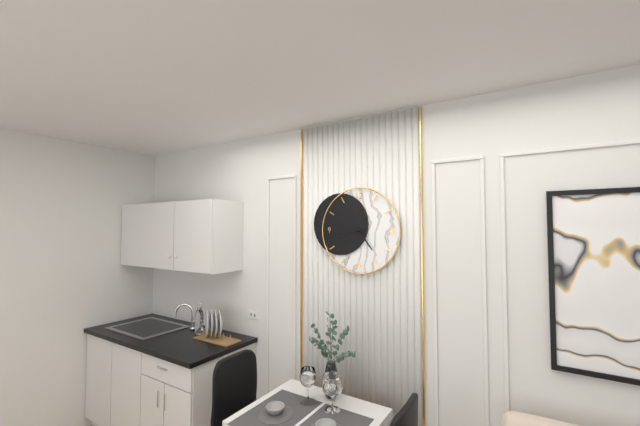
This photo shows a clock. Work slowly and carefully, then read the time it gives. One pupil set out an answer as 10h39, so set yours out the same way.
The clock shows 4h44
